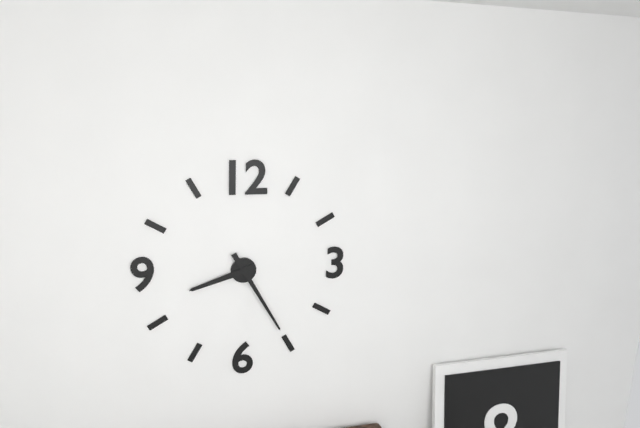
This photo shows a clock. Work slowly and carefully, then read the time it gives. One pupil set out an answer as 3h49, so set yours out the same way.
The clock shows 8h25
